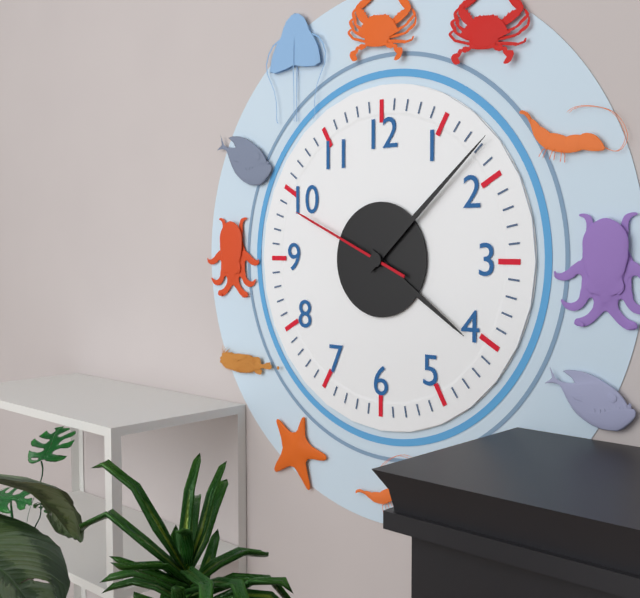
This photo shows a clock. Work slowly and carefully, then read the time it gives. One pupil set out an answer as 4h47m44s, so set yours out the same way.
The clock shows 4h08m49s
